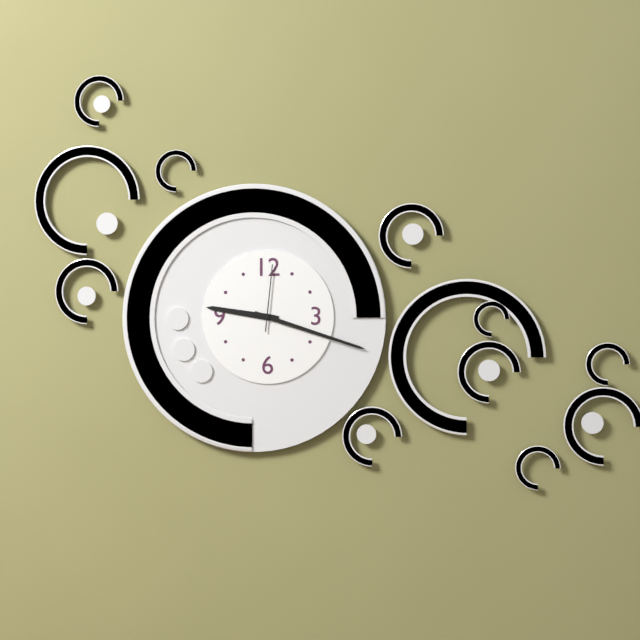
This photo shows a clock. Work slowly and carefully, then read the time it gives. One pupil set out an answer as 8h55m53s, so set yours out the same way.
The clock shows 9h18m01s
